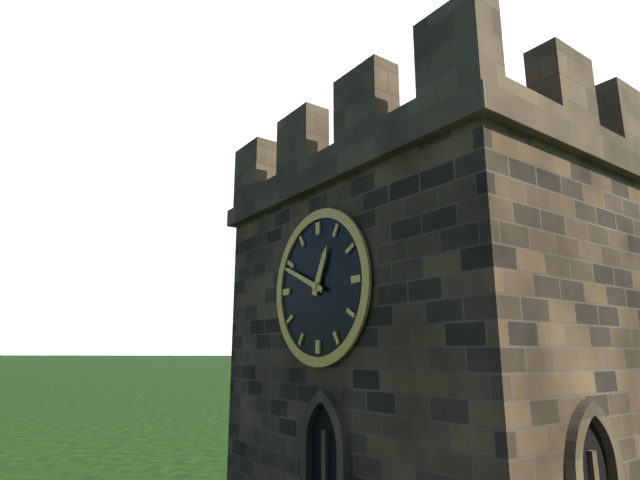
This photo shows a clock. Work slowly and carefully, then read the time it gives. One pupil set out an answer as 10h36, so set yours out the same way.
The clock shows 12h49
